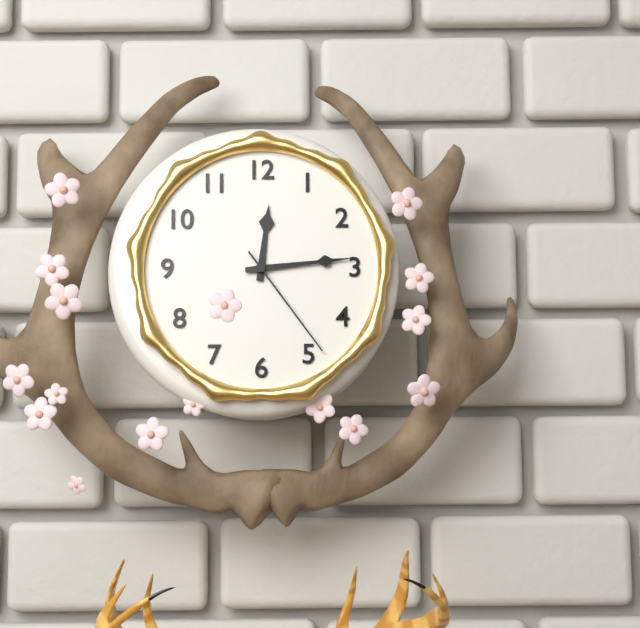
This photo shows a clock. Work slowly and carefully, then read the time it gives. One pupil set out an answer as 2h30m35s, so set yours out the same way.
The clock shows 12h14m24s
